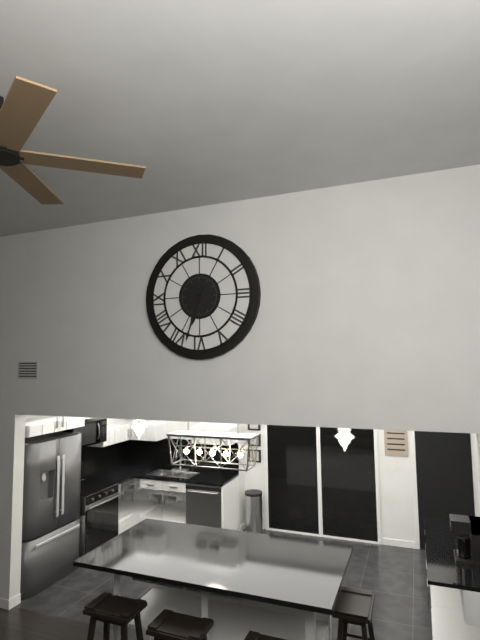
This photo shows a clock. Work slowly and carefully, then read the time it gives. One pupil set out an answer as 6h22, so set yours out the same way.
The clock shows 6h33
